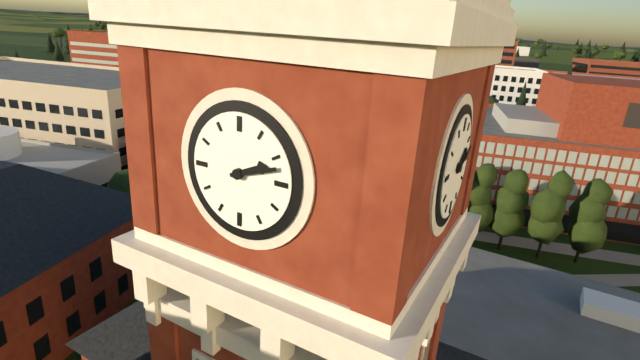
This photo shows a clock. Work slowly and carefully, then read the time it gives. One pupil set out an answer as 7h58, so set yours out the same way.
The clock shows 2h12
